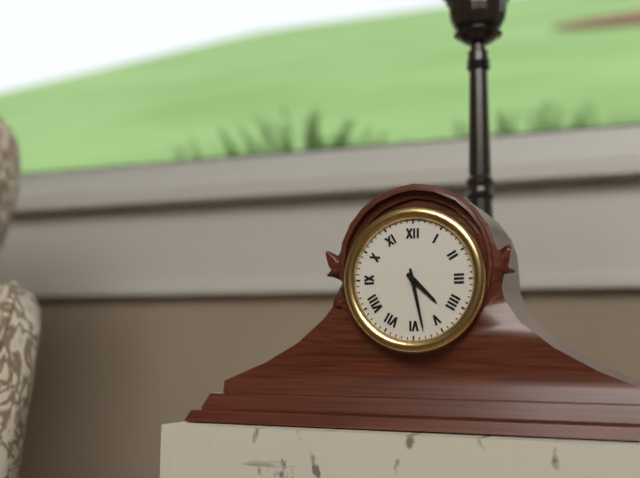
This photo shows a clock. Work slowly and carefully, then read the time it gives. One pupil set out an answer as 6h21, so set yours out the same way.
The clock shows 4h28
